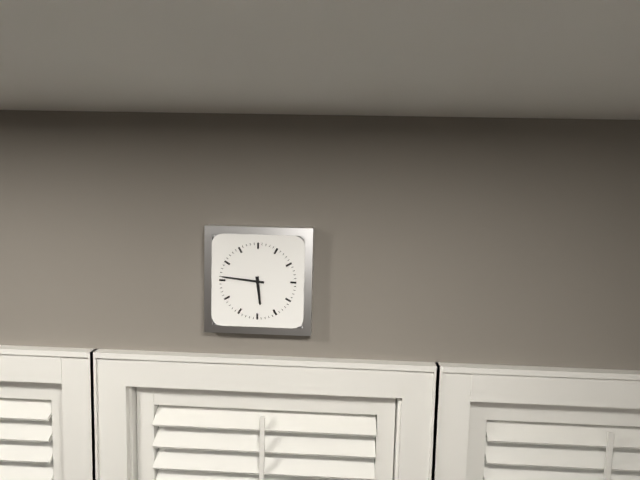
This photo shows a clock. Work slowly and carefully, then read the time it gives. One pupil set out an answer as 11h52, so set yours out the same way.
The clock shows 5h46
